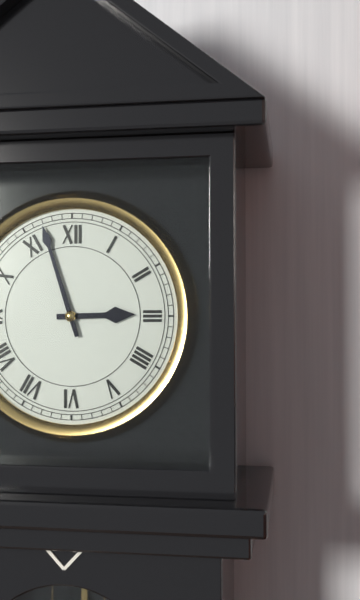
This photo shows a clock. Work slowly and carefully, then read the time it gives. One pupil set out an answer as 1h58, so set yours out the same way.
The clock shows 2h57
